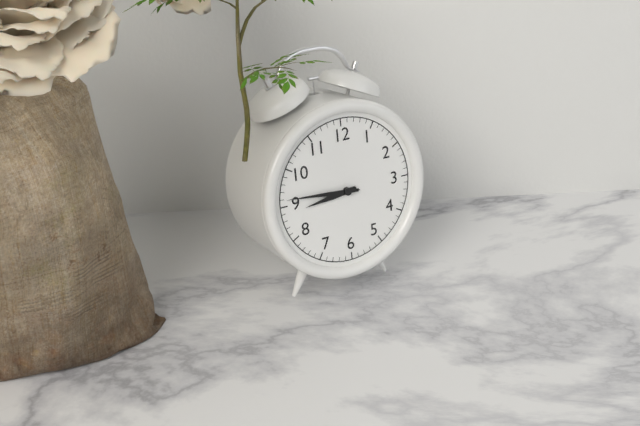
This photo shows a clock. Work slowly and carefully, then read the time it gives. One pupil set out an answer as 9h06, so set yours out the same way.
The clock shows 8h46
